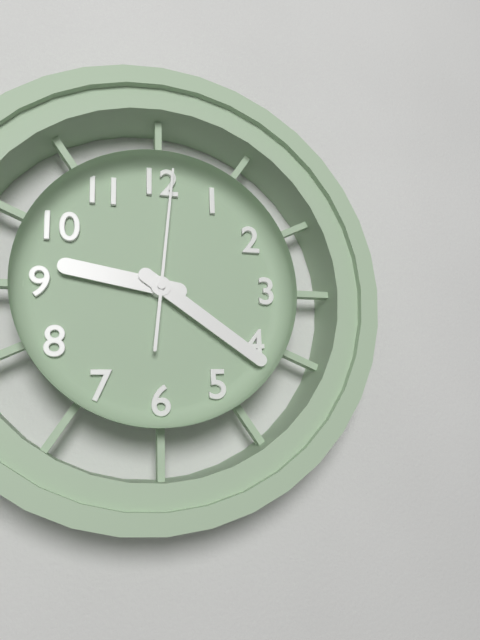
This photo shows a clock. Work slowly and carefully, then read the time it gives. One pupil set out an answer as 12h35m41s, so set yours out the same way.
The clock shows 9h21m01s
